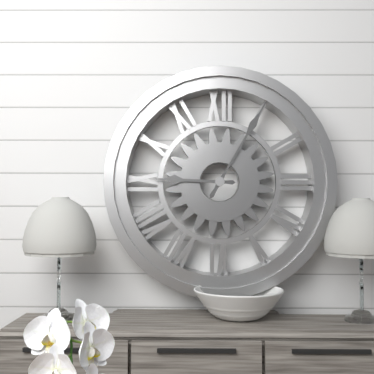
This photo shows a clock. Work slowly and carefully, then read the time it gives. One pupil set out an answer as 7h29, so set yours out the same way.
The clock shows 9h05
